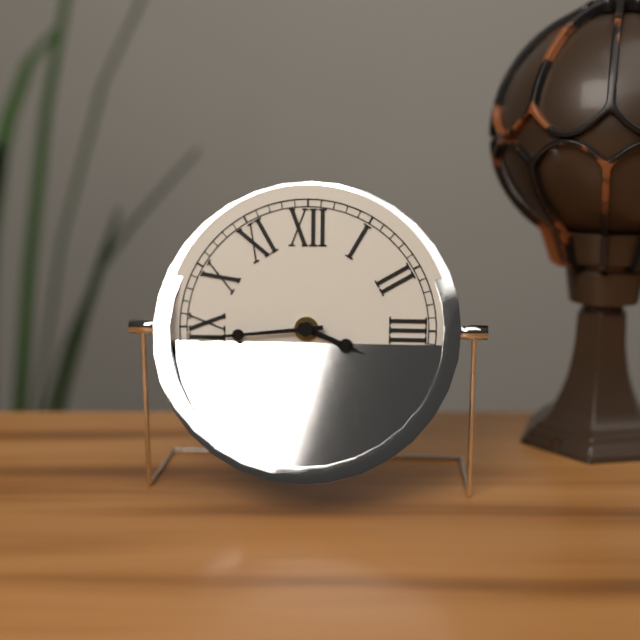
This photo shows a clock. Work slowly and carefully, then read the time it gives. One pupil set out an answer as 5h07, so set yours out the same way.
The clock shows 3h44
